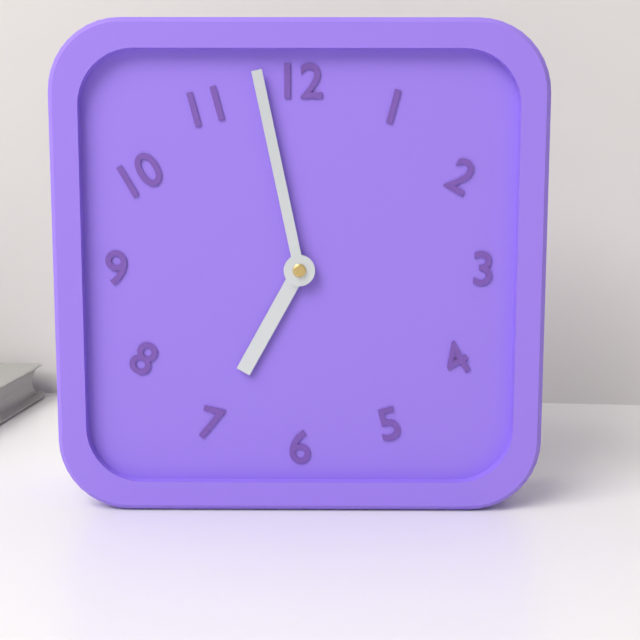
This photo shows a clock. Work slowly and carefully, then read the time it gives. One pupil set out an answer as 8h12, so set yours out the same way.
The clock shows 6h58
